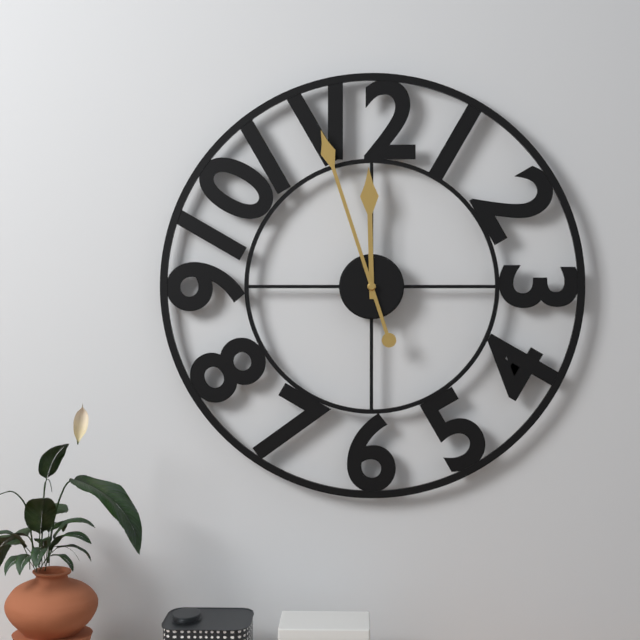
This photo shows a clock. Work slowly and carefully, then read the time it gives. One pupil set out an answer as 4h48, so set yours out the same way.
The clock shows 11h57
